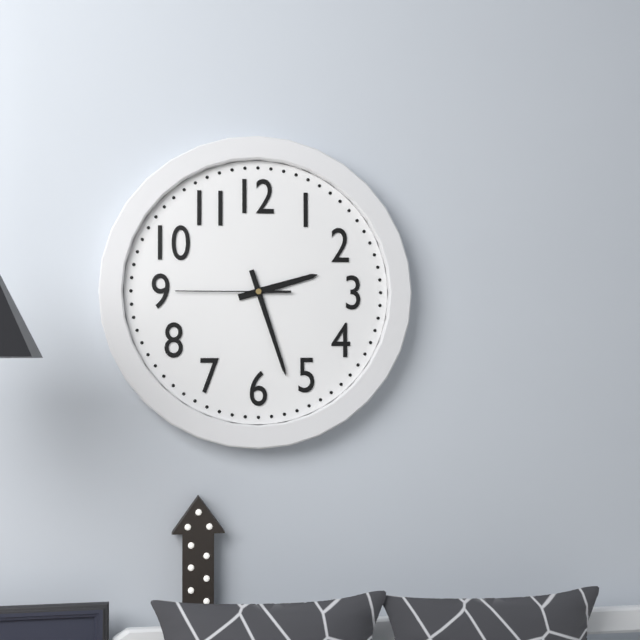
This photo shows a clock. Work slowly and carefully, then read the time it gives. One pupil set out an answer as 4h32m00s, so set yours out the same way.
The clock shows 2h27m45s
